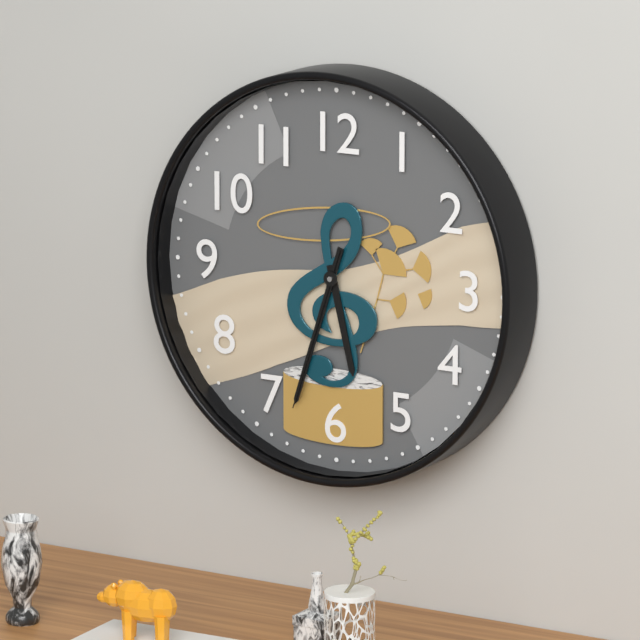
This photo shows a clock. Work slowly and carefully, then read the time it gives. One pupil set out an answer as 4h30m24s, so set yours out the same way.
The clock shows 5h33m33s
